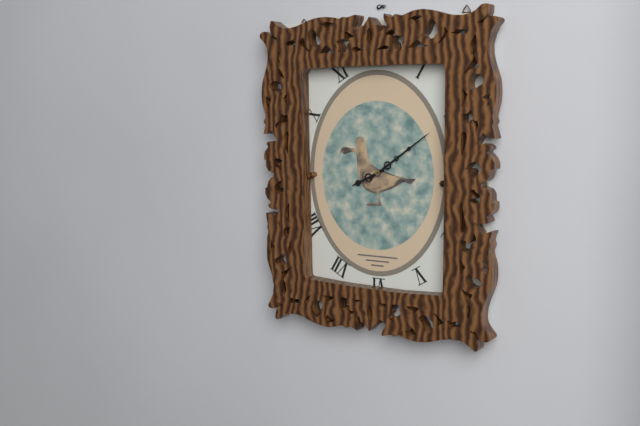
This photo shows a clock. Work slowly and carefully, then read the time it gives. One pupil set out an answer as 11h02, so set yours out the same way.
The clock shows 8h09
